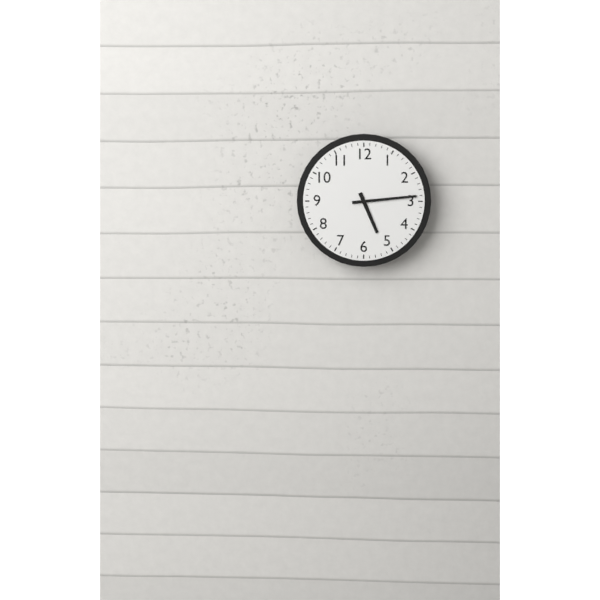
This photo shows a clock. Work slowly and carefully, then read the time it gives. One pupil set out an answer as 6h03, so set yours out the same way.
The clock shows 5h14
